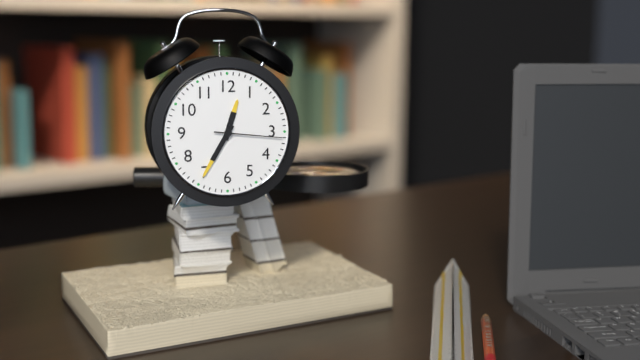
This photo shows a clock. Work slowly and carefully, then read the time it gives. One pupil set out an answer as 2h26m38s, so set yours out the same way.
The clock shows 12h35m16s
